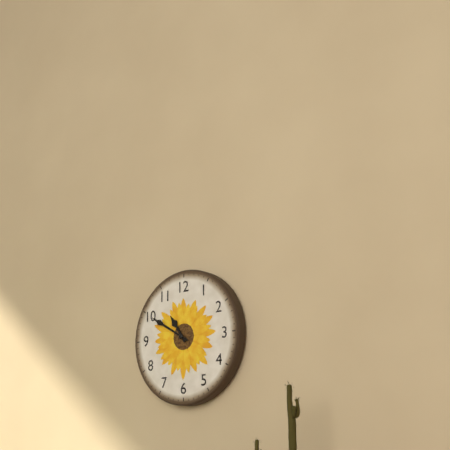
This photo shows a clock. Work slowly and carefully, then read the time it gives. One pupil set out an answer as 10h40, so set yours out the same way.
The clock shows 10h50
